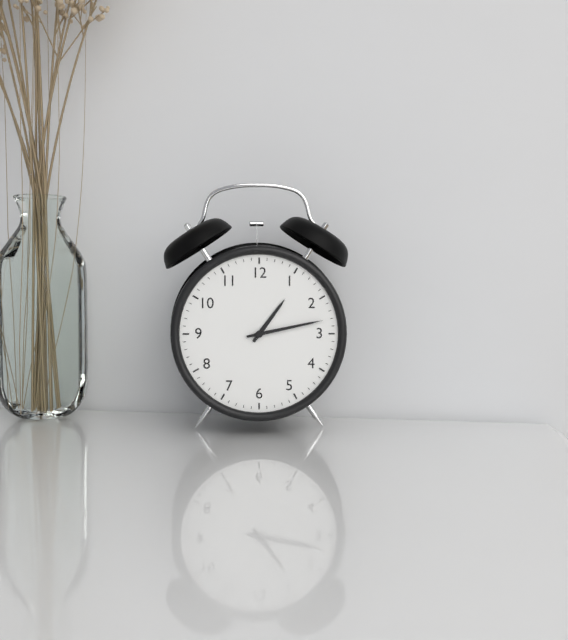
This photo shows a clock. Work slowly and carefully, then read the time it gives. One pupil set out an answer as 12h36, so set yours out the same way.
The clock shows 1h13
